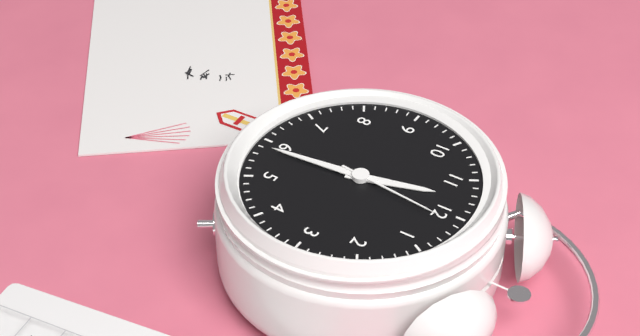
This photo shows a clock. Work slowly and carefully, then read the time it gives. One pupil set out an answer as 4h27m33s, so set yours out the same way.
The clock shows 11h29m01s
